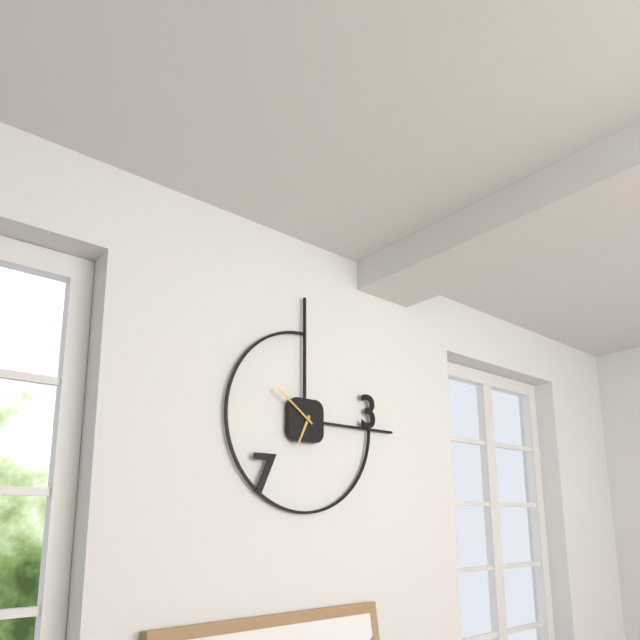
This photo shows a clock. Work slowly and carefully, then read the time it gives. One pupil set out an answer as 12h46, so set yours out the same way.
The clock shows 6h51
